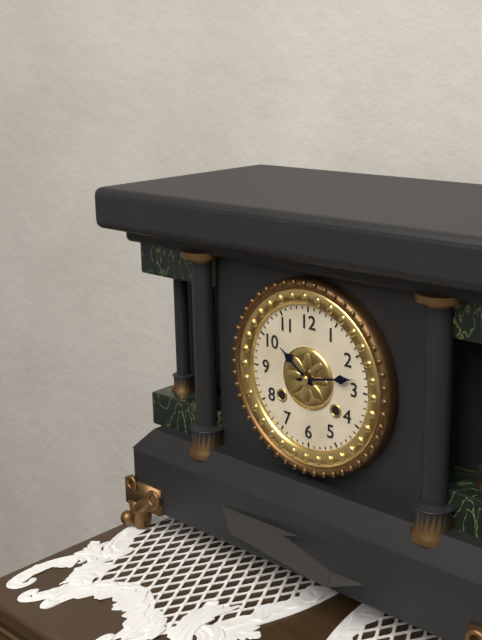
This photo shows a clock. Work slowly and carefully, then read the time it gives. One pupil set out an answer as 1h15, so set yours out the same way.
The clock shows 10h13
